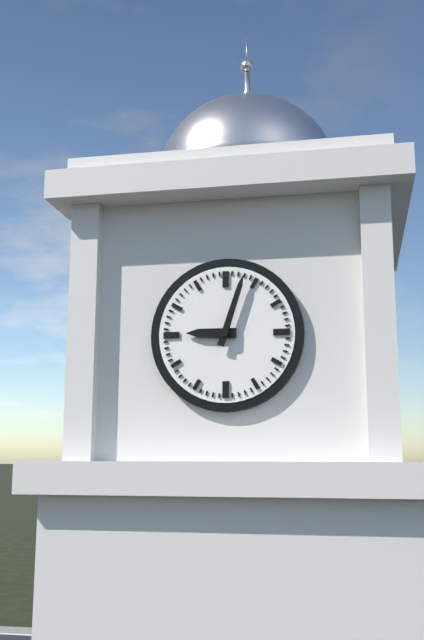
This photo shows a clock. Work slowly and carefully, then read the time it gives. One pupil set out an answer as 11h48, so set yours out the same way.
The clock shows 9h03
